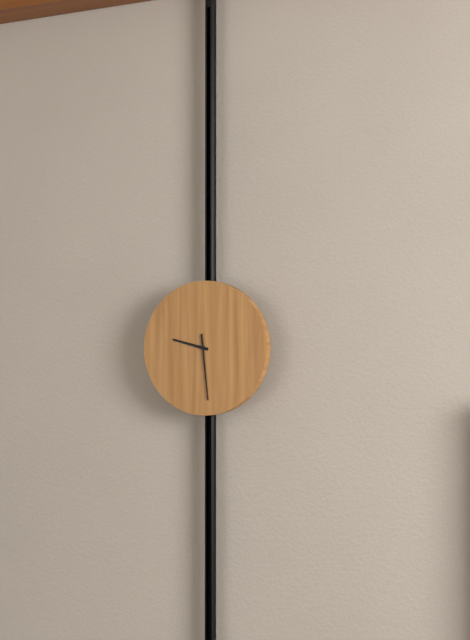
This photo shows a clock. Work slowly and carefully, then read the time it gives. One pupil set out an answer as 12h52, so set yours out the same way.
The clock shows 9h29
